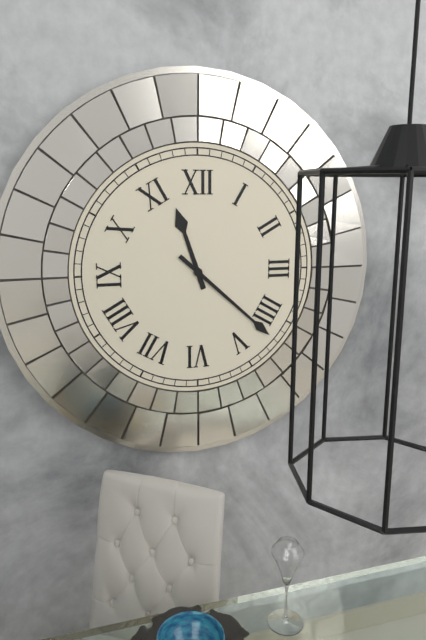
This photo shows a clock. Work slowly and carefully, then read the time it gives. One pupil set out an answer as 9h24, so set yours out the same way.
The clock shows 11h22
